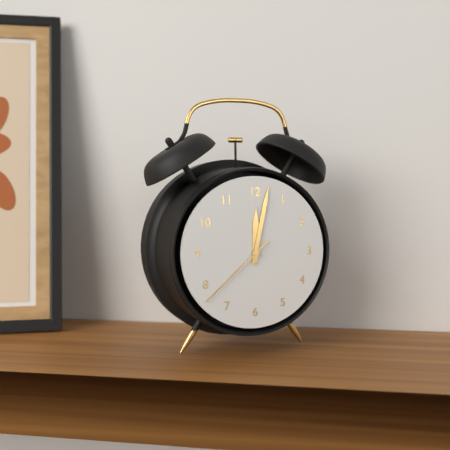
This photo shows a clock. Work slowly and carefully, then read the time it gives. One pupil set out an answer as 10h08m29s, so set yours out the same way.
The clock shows 12h02m38s
